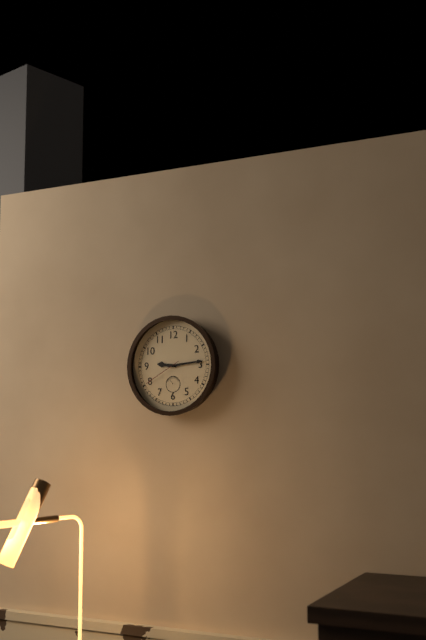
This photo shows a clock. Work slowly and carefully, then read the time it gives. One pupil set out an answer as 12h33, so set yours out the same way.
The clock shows 9h14
